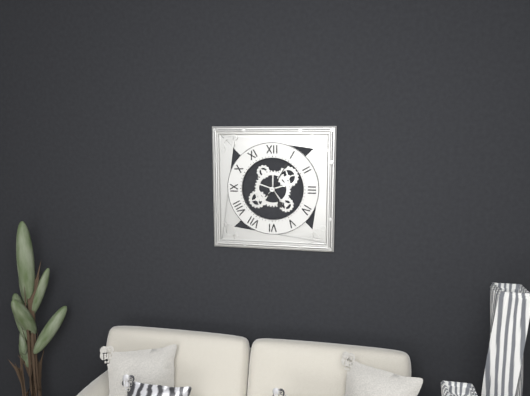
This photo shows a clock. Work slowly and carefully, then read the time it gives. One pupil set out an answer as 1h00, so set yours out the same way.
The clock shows 5h05
